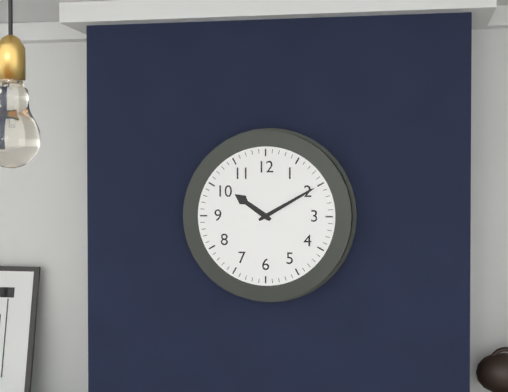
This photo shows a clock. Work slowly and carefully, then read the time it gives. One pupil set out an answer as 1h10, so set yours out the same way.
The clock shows 10h10
